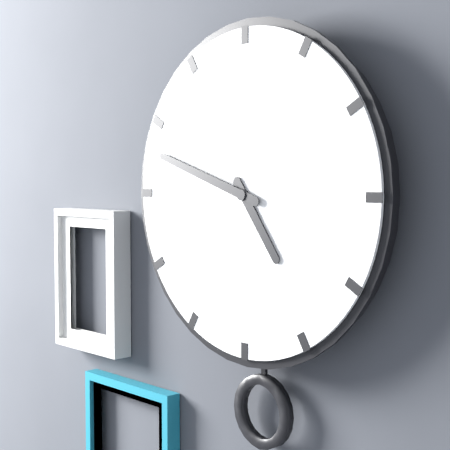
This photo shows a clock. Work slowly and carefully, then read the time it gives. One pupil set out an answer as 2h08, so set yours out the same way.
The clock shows 4h48
